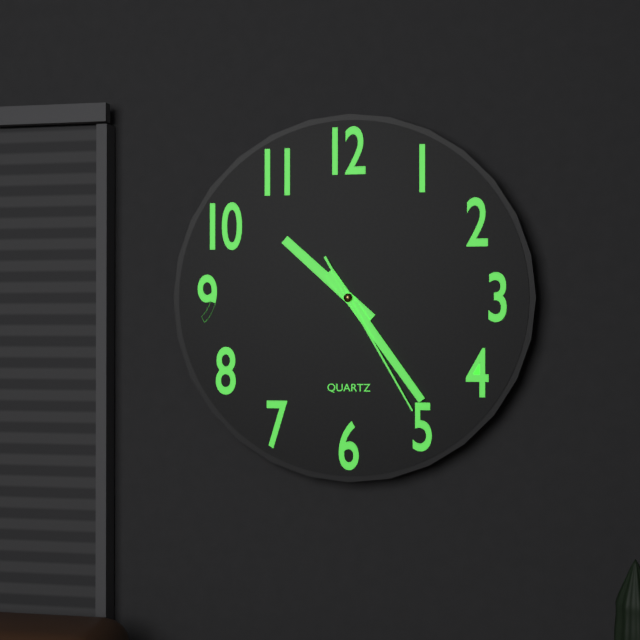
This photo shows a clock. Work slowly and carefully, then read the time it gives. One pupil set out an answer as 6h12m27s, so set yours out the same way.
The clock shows 10h24m25s
